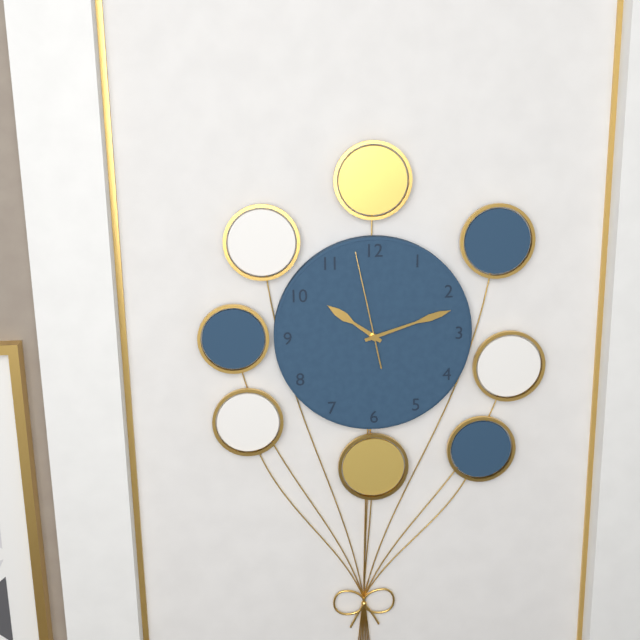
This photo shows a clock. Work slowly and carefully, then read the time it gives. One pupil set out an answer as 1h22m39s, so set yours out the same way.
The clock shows 10h12m58s
